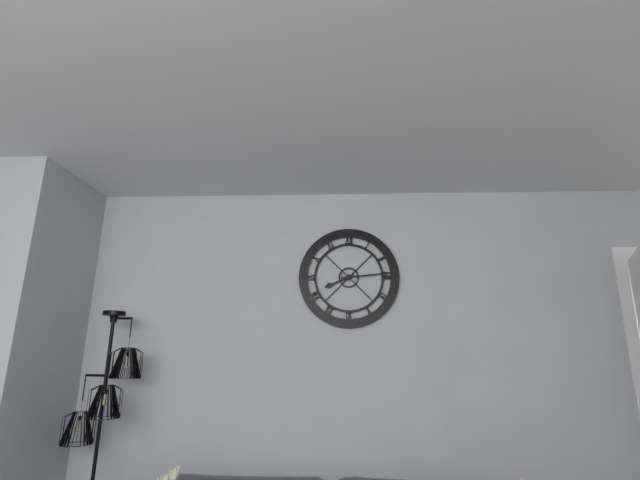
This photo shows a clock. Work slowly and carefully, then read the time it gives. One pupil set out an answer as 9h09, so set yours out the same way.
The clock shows 8h14
